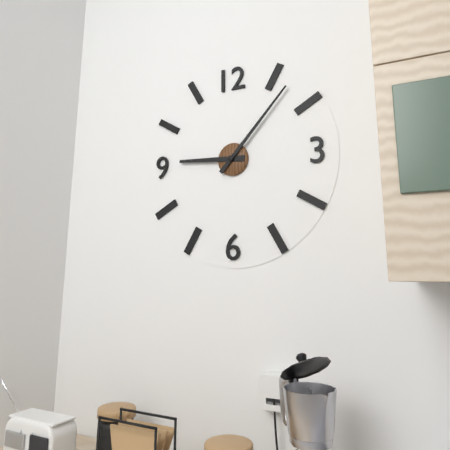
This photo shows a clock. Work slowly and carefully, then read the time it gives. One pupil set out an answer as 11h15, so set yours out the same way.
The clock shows 9h07
